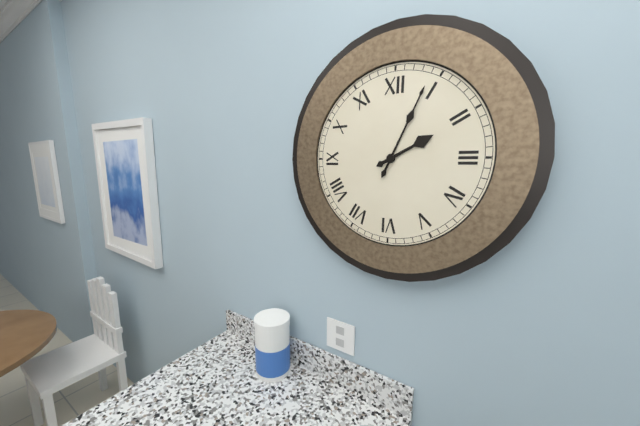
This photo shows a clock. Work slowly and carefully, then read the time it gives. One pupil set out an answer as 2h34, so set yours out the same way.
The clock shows 2h04
